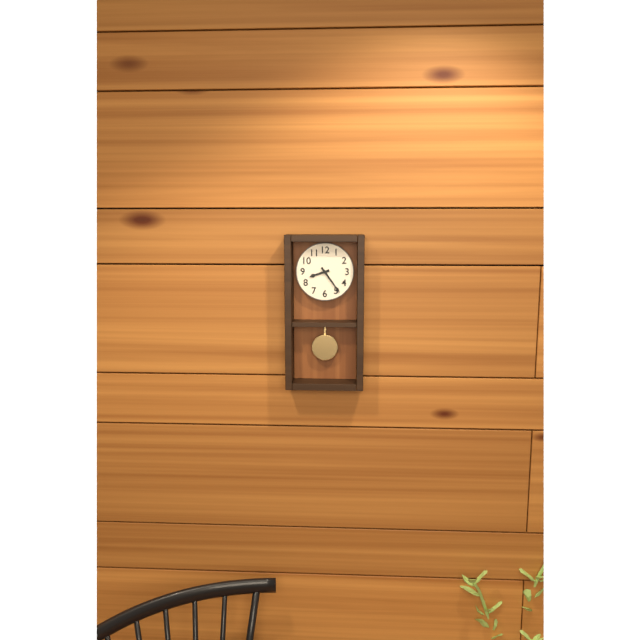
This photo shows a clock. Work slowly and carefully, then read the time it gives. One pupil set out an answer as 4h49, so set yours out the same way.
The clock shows 8h24
